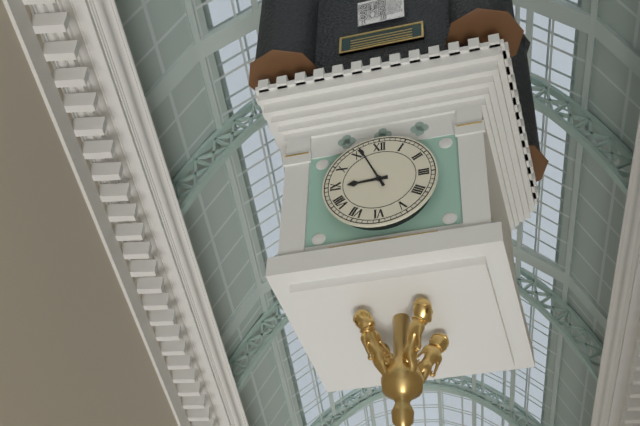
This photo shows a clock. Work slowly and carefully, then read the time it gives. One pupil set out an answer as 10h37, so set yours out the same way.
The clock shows 8h56
